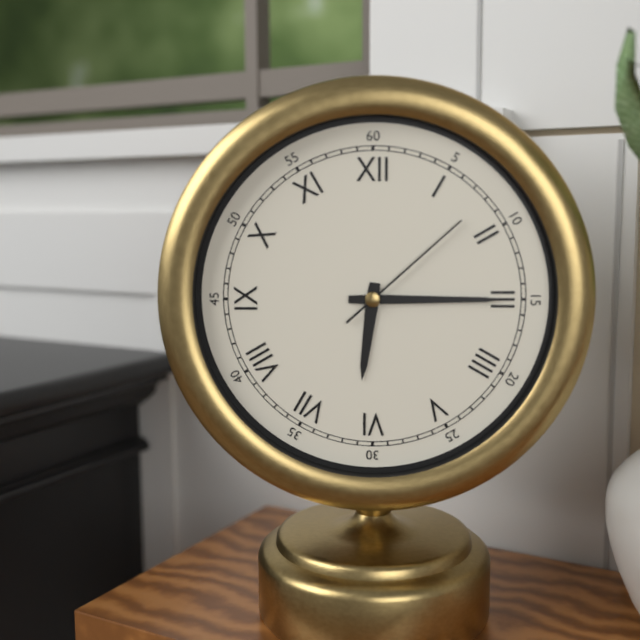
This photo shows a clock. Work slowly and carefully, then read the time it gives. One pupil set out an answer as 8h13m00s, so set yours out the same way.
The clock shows 6h15m08s
